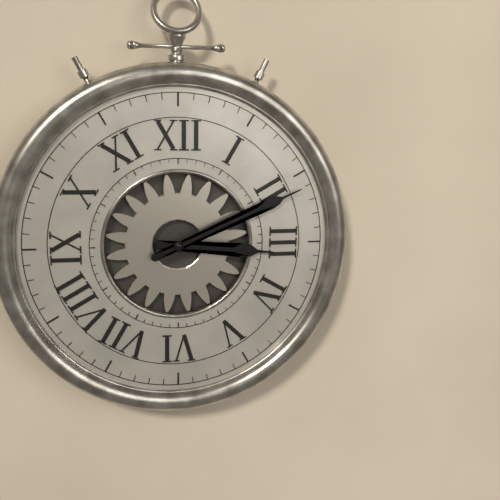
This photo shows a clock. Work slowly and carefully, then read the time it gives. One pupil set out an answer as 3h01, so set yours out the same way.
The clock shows 3h11
